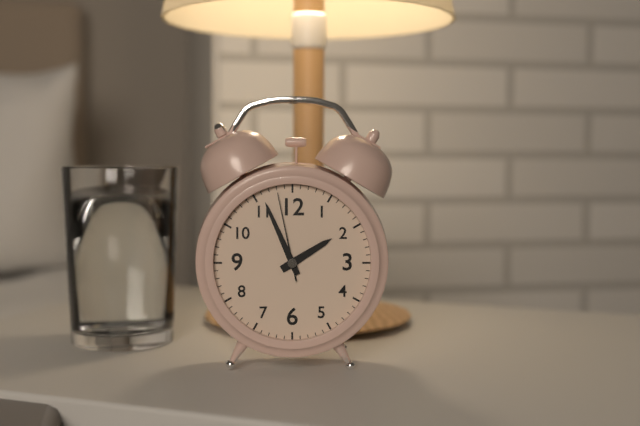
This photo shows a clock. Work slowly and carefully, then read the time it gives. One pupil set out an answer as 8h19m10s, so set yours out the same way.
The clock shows 1h56m58s
